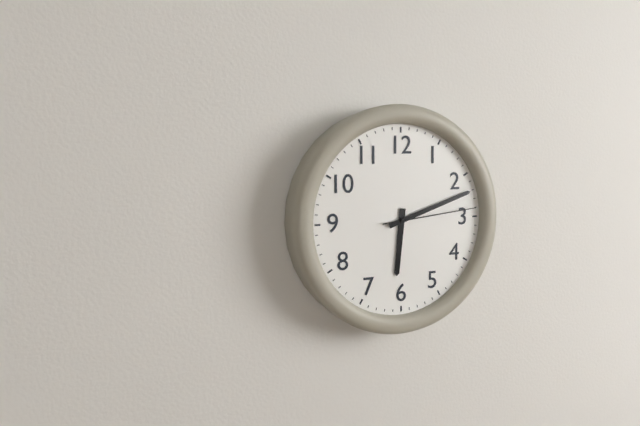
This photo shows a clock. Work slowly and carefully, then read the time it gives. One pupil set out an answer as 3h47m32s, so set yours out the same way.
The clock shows 6h12m14s
